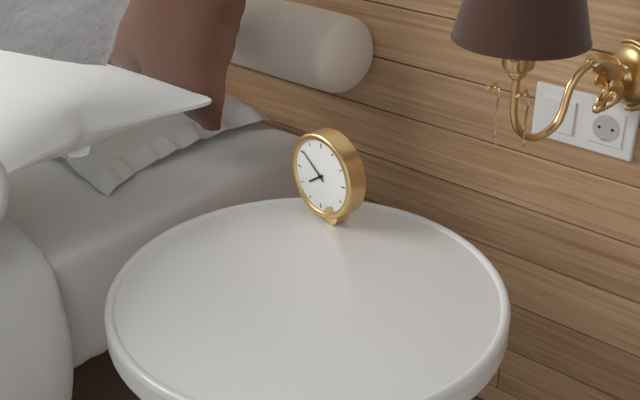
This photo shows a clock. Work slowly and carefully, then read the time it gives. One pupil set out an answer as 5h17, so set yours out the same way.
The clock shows 7h51
